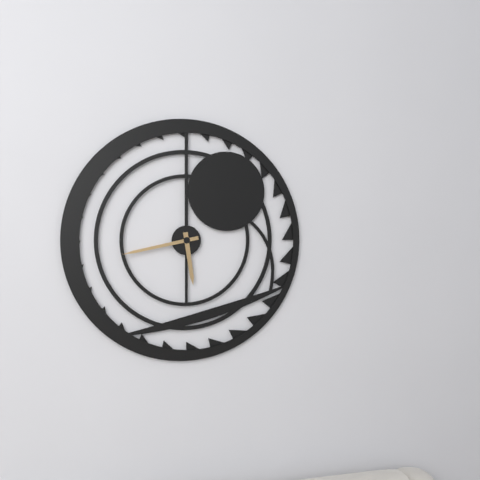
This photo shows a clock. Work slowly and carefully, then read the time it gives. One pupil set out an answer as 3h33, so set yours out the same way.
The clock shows 5h43
